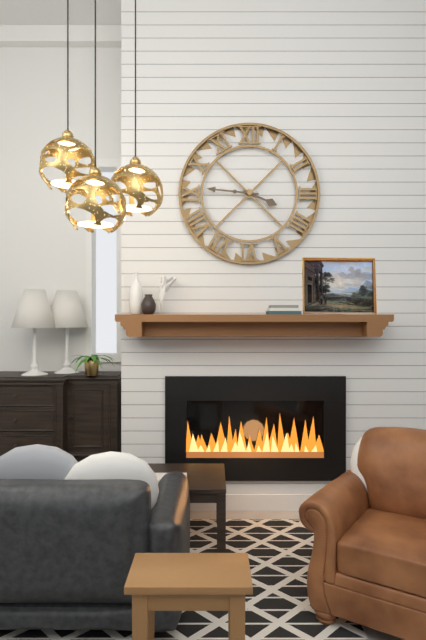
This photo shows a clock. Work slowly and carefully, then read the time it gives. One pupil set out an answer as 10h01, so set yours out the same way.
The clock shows 3h46
